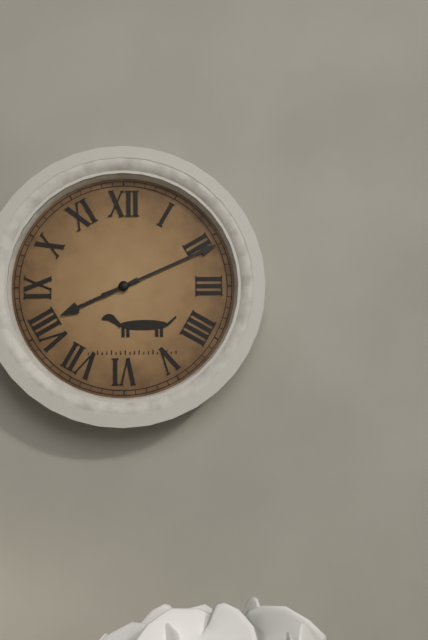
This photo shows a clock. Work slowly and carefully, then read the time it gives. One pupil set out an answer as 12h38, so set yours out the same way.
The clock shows 8h11
